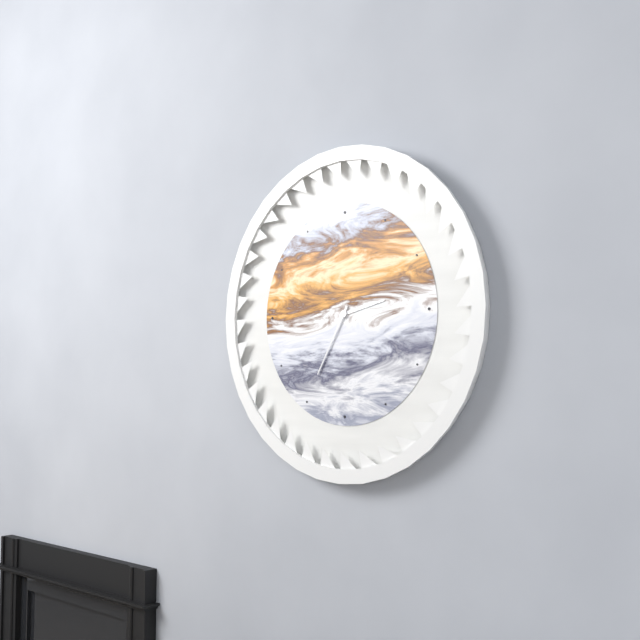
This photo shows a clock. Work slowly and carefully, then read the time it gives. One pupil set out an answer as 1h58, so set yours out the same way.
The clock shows 2h35
